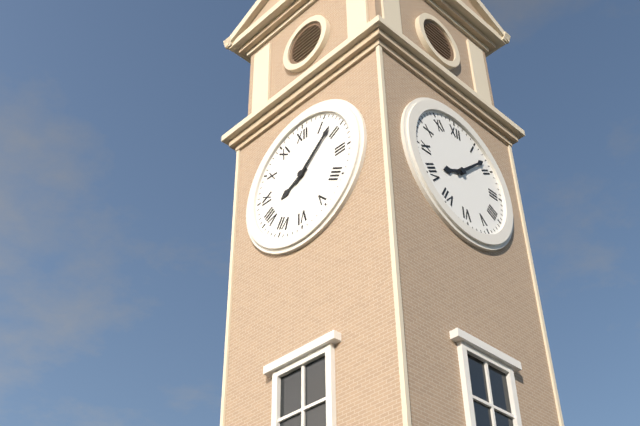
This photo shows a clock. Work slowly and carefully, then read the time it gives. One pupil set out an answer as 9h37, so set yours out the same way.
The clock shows 8h08
